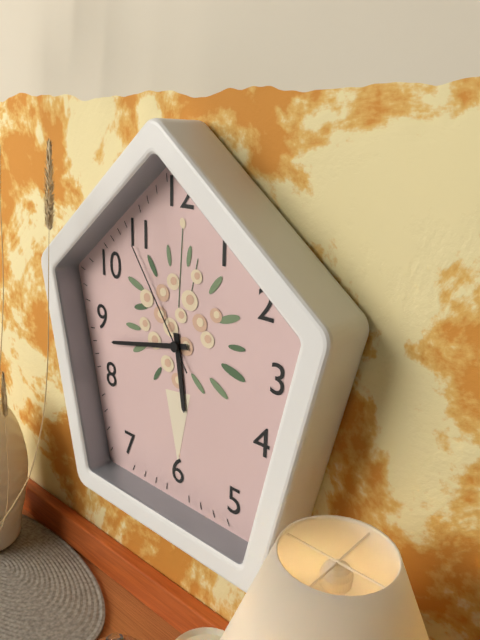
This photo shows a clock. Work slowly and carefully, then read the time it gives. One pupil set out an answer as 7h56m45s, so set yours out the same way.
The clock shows 5h43m54s
